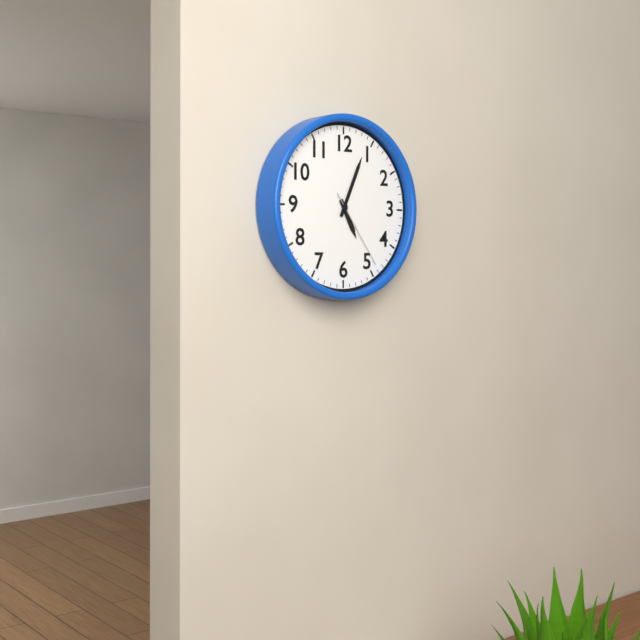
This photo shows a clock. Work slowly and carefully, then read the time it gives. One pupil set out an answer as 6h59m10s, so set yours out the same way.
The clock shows 5h04m24s
